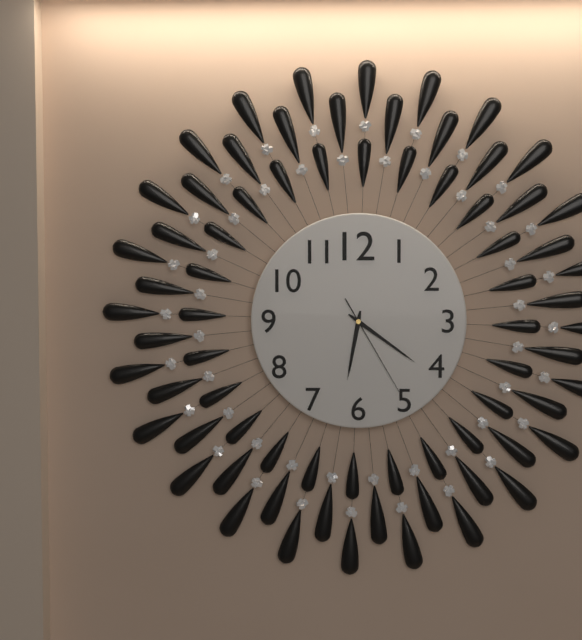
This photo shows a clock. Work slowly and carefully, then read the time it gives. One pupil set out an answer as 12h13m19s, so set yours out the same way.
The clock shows 6h21m25s
